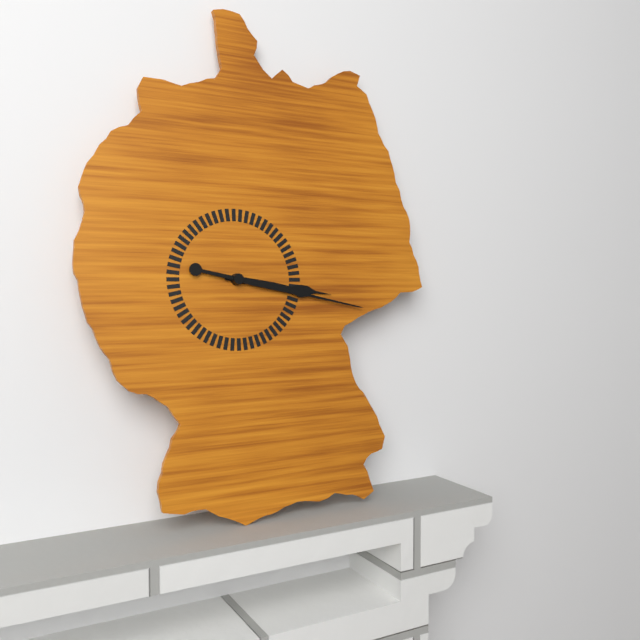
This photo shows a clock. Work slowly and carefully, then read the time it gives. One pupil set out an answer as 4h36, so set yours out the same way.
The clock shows 3h17
